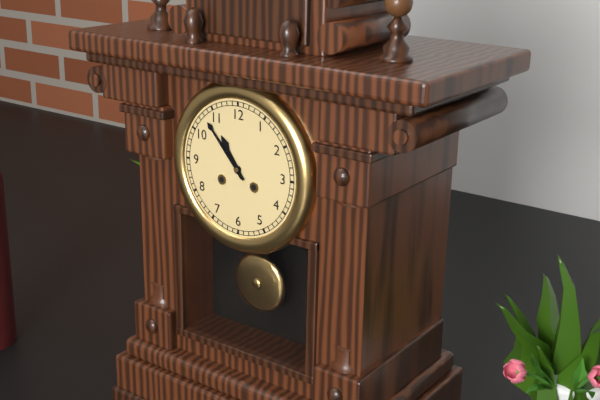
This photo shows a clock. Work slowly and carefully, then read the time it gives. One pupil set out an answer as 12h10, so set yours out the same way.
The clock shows 10h53
